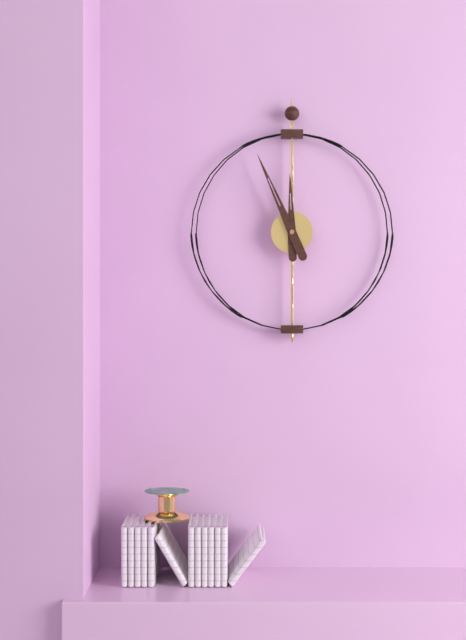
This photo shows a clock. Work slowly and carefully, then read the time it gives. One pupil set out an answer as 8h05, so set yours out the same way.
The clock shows 11h56
